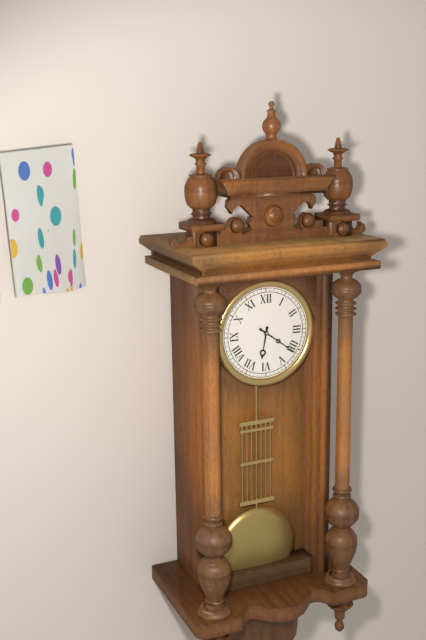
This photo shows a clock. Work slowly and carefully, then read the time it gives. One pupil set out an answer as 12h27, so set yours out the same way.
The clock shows 6h21
